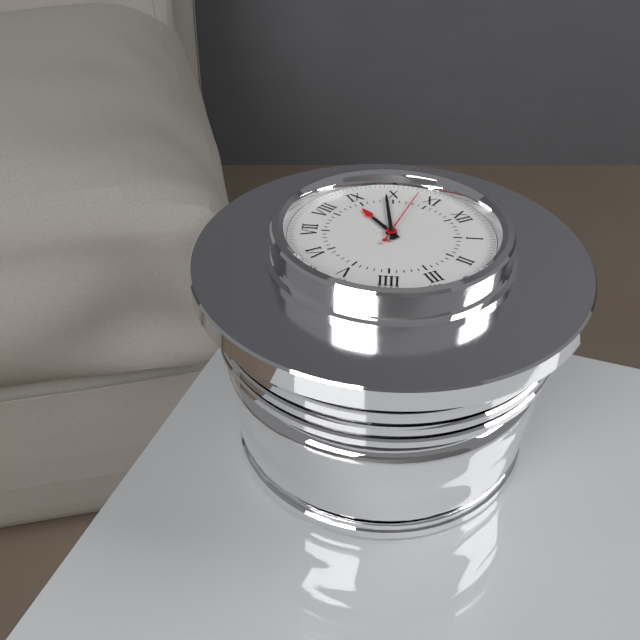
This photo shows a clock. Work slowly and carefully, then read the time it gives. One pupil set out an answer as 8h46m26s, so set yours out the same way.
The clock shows 8h49m53s
